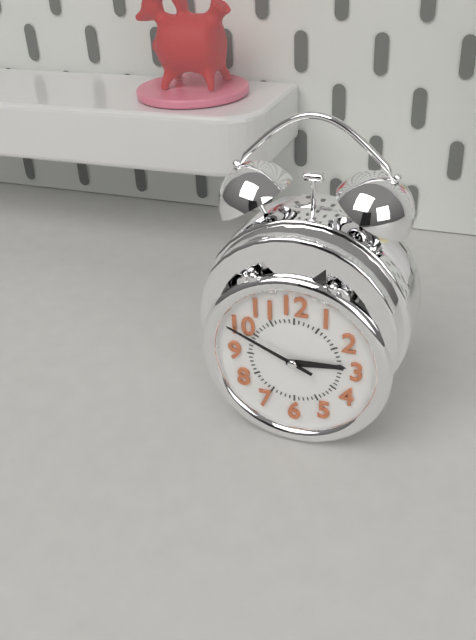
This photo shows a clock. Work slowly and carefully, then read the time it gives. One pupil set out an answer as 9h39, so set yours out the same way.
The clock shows 2h49
